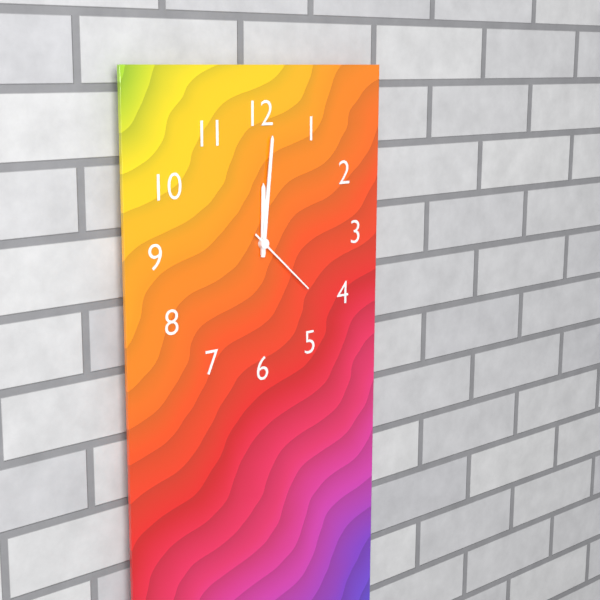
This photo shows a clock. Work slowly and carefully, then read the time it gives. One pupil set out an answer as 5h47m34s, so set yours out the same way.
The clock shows 12h01m22s
